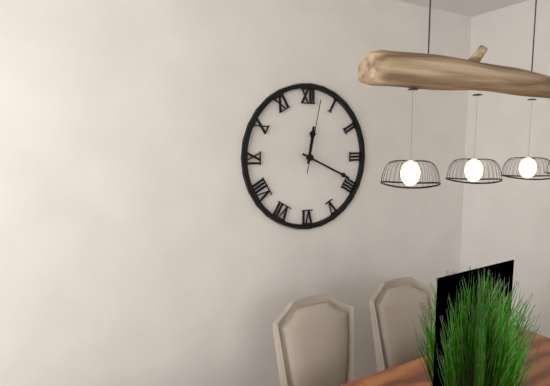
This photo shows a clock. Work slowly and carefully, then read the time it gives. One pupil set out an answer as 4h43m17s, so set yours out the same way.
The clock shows 12h19m02s
